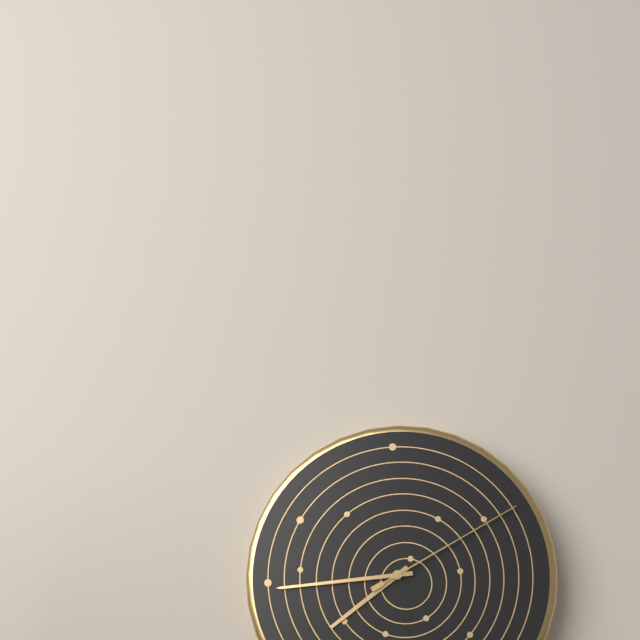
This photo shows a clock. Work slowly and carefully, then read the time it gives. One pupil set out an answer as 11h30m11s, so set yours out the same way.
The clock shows 7h44m10s
